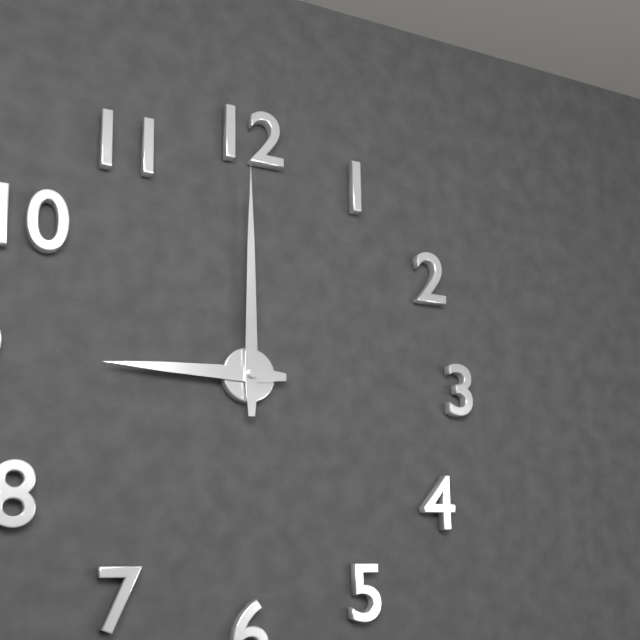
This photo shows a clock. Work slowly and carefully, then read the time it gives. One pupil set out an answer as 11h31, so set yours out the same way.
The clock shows 9h00
